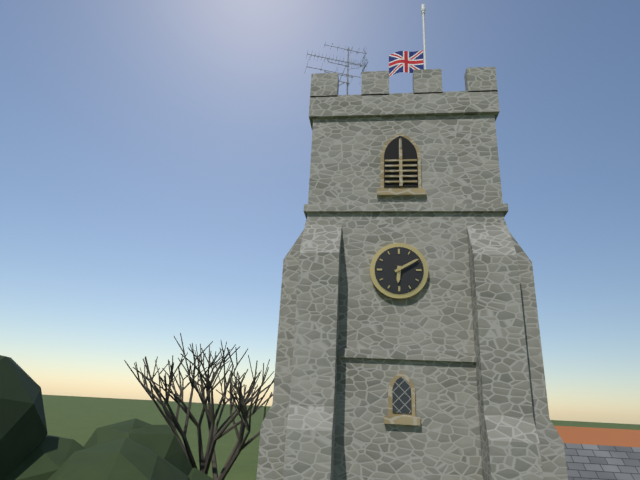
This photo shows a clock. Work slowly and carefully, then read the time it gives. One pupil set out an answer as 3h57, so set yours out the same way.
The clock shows 6h10
